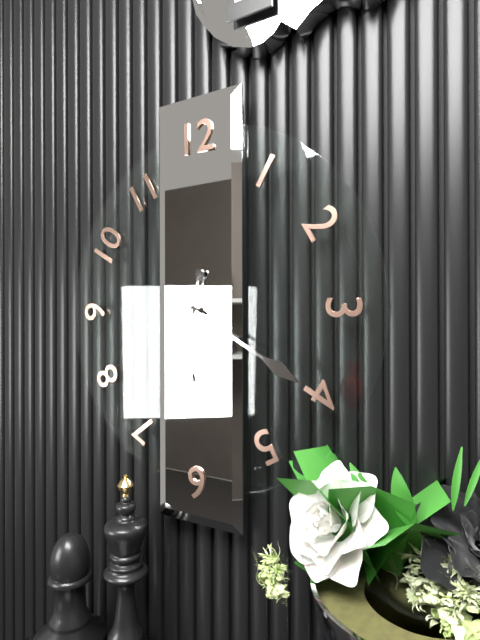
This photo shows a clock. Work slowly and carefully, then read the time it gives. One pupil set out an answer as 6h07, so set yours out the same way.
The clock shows 6h20
